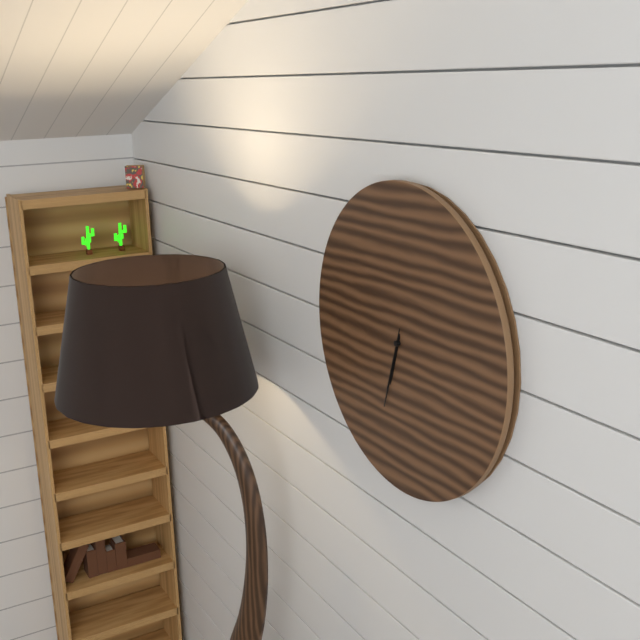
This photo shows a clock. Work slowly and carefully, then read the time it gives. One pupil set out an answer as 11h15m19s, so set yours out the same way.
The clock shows 6h33m33s
